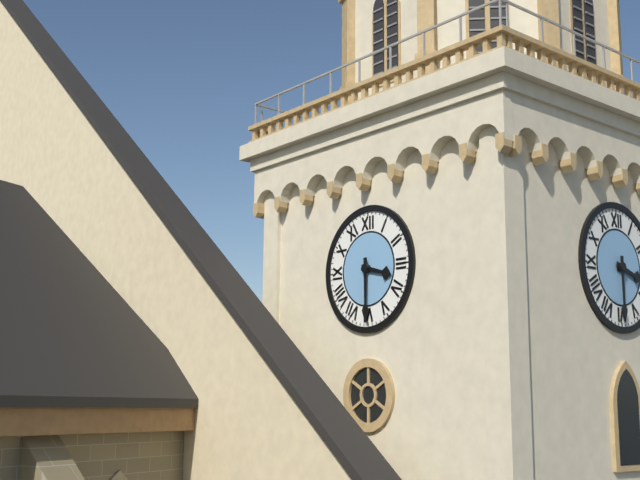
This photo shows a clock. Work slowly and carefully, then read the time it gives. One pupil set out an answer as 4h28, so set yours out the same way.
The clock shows 3h30
